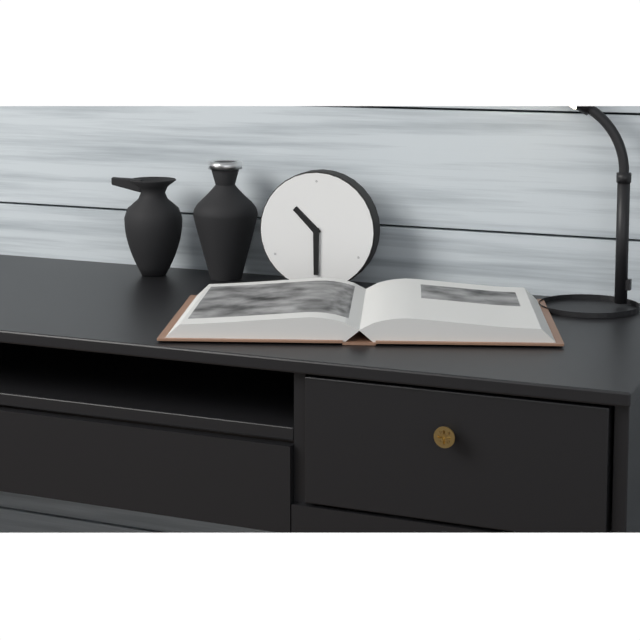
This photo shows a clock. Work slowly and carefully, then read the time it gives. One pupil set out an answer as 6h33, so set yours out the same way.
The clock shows 10h30
